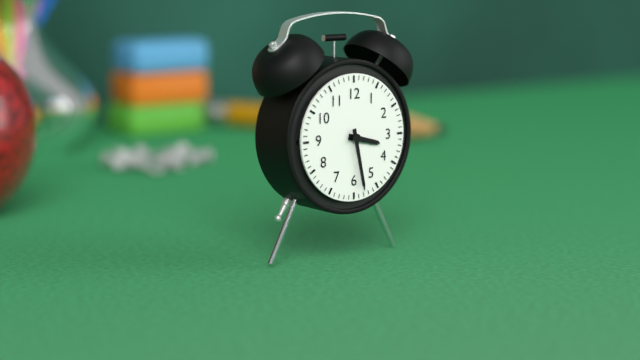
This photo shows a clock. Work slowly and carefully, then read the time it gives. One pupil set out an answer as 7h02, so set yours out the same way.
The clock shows 3h28
